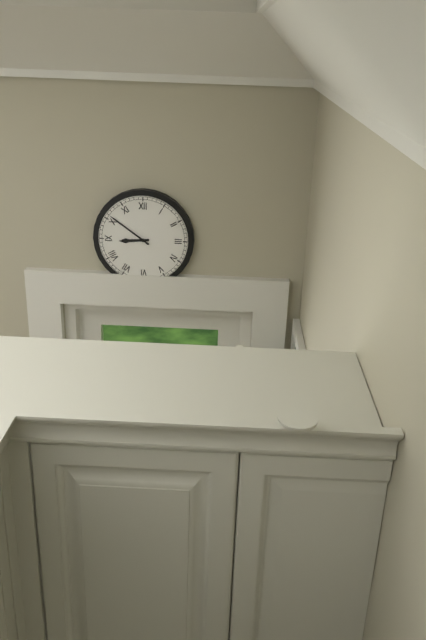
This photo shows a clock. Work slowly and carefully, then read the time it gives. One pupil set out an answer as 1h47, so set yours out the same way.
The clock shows 8h51
